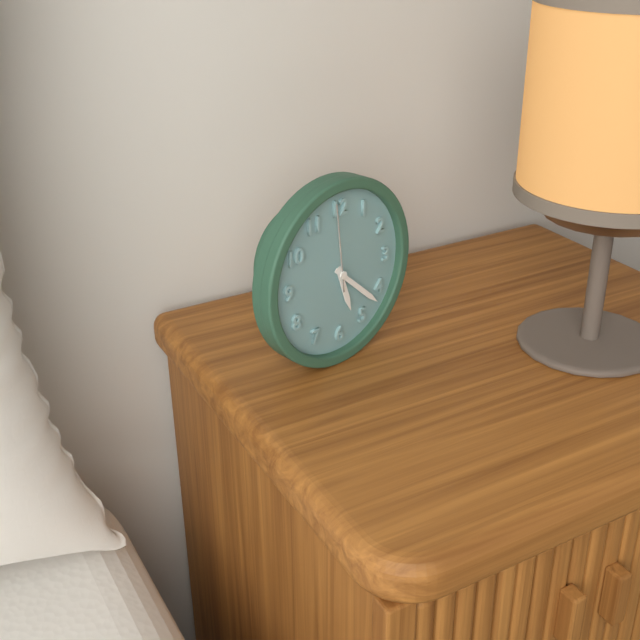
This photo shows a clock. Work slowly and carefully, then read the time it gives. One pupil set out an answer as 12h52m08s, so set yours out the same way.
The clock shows 5h22m59s
